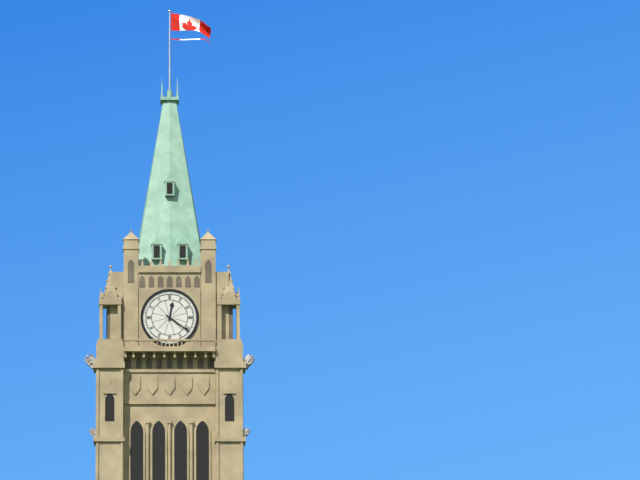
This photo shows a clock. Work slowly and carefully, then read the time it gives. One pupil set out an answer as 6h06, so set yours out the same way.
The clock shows 12h21
